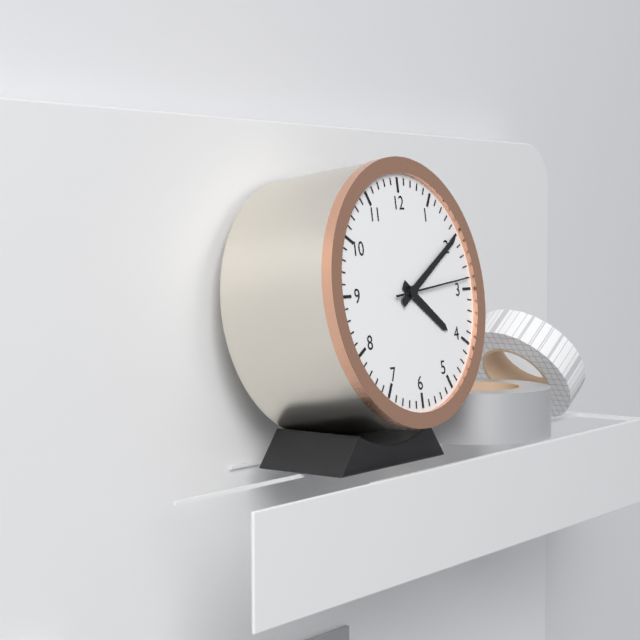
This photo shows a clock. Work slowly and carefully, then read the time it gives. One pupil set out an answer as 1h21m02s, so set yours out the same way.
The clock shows 4h10m14s
